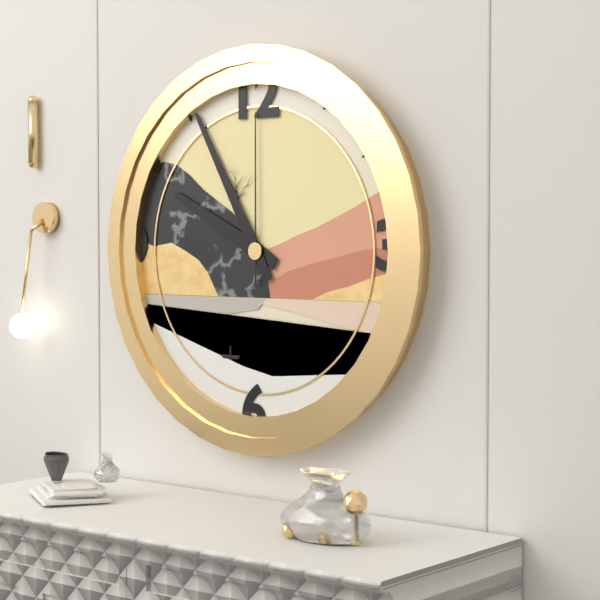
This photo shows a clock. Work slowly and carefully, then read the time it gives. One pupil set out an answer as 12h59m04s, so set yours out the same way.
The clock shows 9h55m00s
